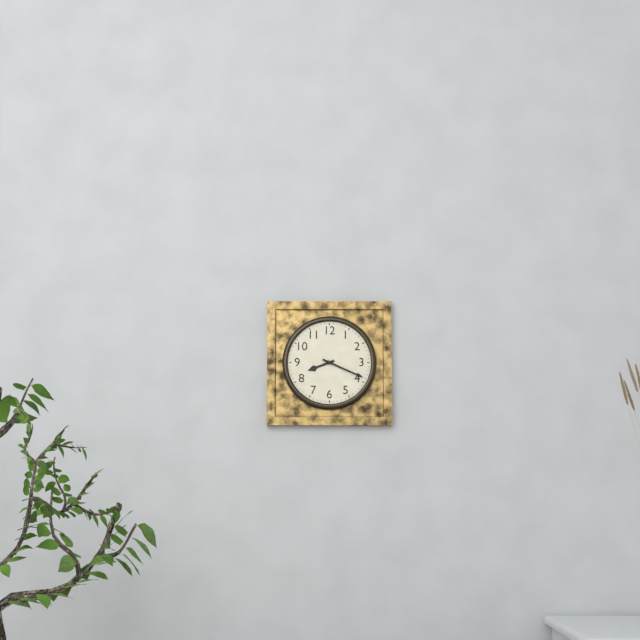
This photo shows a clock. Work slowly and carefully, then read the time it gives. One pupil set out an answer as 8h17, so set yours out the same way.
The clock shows 8h19
